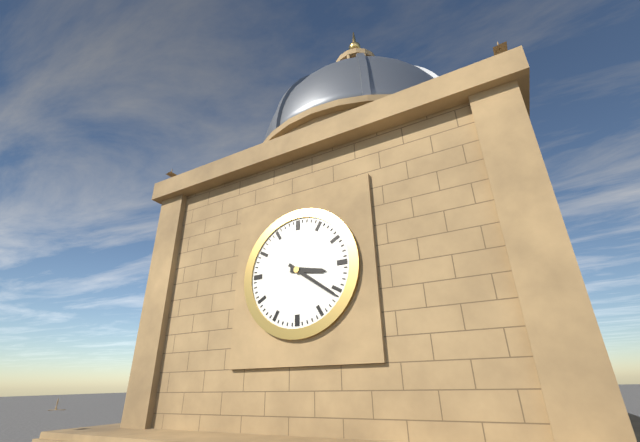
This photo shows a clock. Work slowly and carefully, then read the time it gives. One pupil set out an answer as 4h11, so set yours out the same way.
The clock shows 3h21
